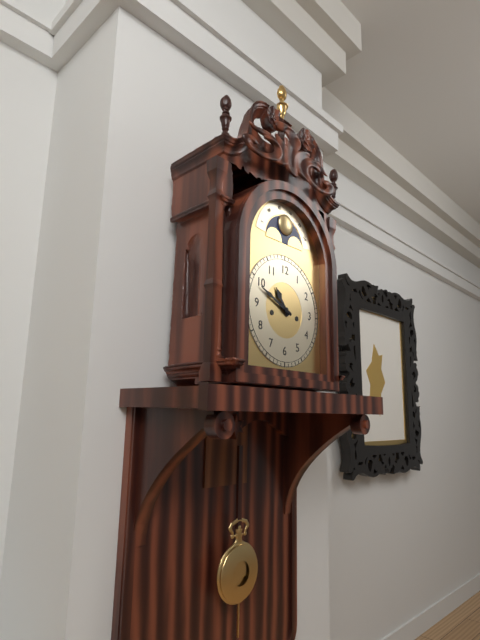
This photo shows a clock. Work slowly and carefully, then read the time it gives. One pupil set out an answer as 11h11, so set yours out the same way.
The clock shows 10h49
